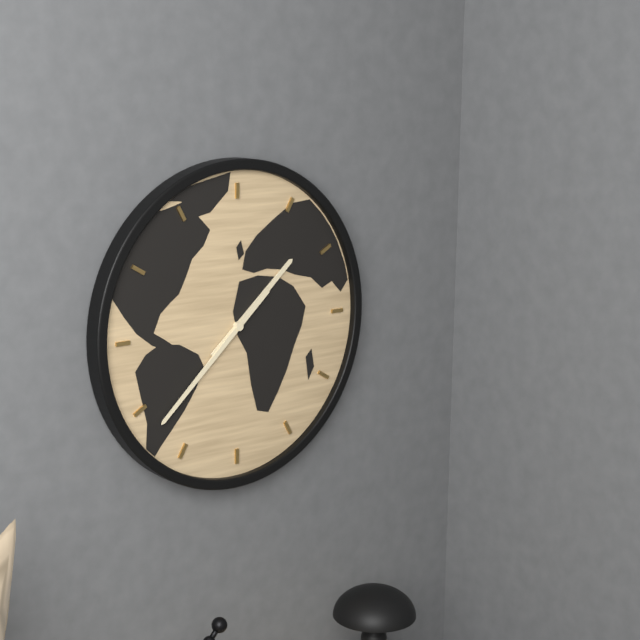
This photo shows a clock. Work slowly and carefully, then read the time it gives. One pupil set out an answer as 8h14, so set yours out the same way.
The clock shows 1h38
